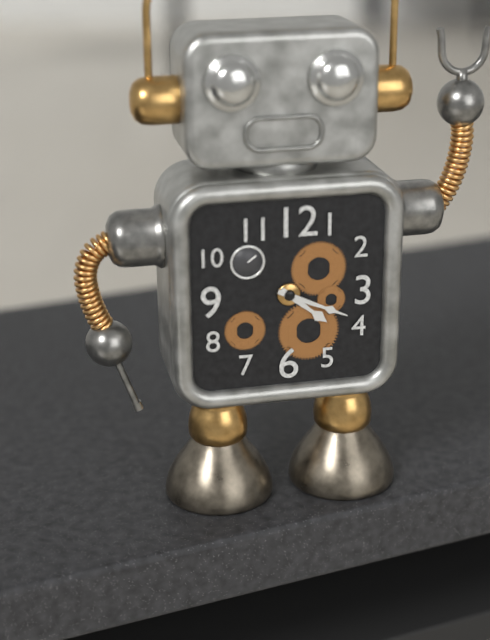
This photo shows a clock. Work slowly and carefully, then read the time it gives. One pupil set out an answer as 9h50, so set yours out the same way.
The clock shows 4h19
